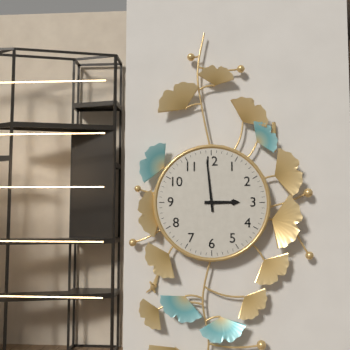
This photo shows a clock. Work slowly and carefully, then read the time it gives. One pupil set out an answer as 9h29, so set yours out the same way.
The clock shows 2h59
